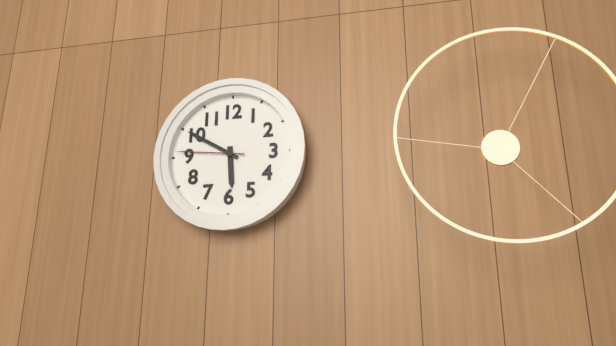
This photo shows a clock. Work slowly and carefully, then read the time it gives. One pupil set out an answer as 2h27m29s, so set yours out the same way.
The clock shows 5h50m46s
